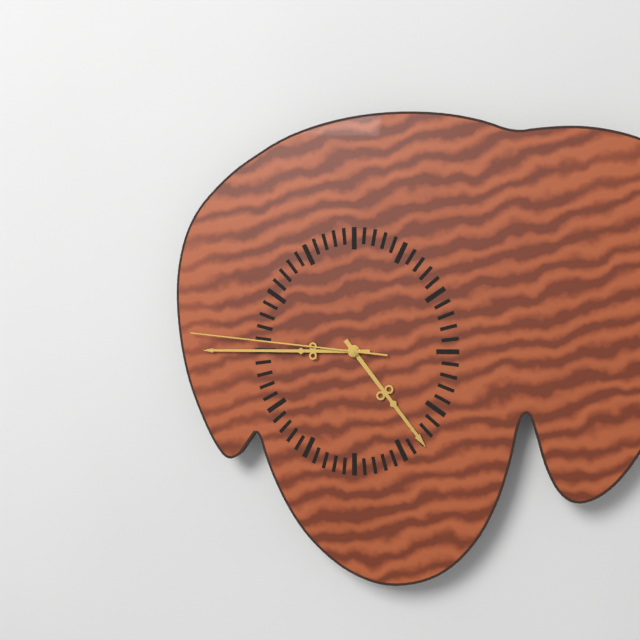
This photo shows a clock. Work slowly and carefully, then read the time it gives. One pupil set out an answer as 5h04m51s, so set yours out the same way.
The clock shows 4h45m46s
